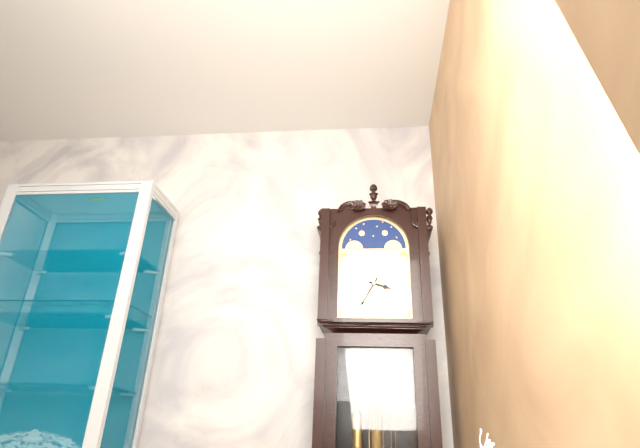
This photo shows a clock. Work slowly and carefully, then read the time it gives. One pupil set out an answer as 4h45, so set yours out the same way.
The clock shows 3h35
